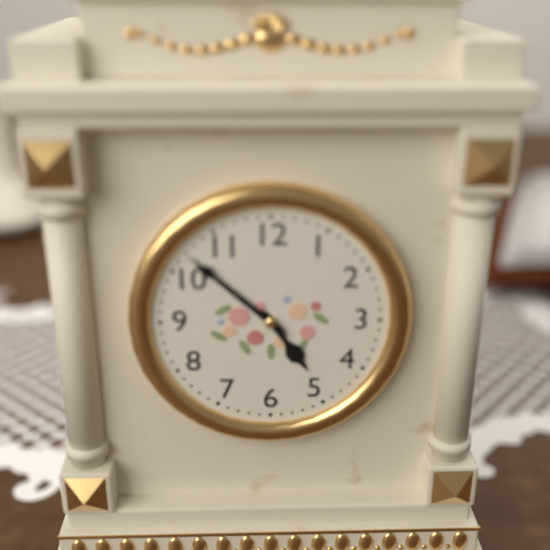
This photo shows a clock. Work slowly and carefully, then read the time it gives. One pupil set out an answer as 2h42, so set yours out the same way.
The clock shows 4h52
